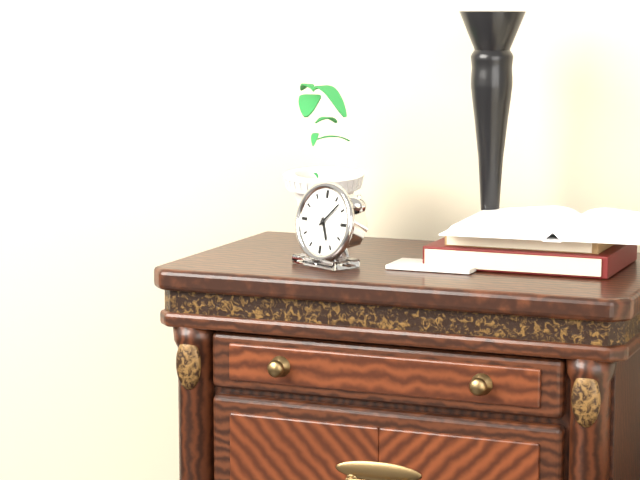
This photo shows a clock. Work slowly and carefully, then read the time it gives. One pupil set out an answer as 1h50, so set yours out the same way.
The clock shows 5h08
